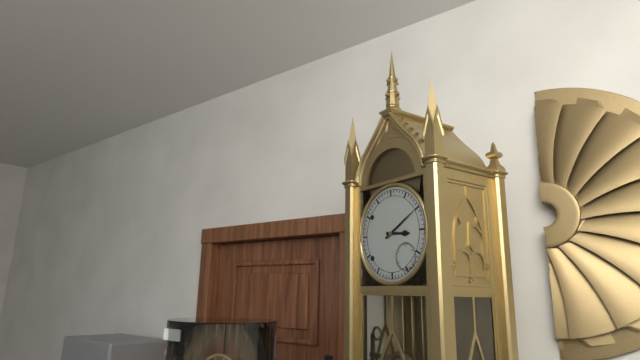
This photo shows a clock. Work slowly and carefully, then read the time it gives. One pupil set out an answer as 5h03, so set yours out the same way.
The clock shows 3h10
